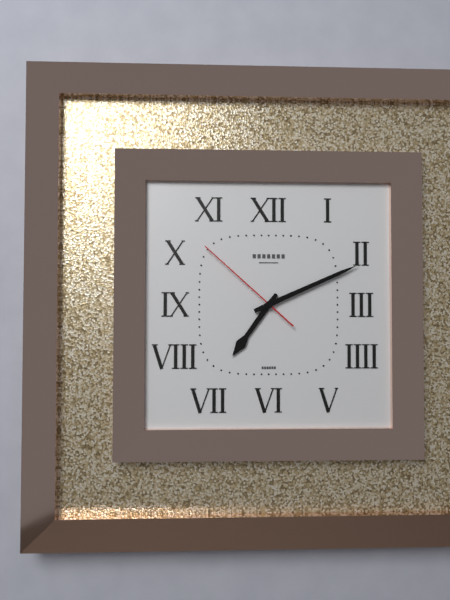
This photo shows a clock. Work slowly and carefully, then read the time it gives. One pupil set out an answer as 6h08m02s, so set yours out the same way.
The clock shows 7h11m52s
